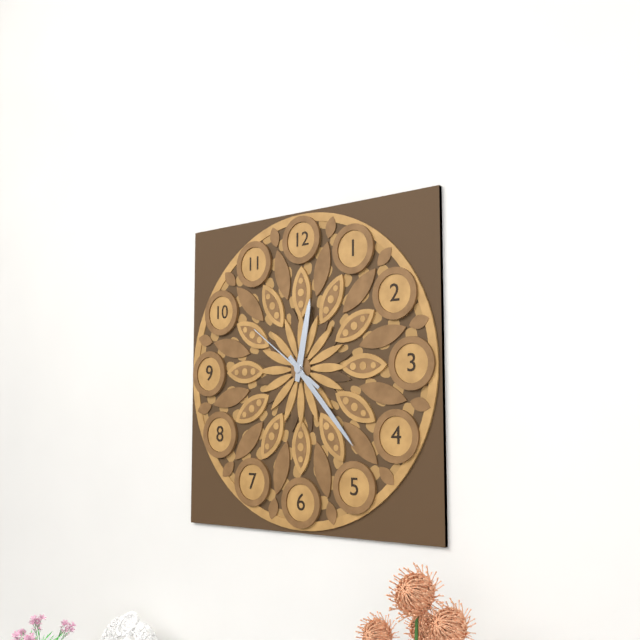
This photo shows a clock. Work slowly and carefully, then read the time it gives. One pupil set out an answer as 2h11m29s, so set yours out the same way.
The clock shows 12h23m51s
